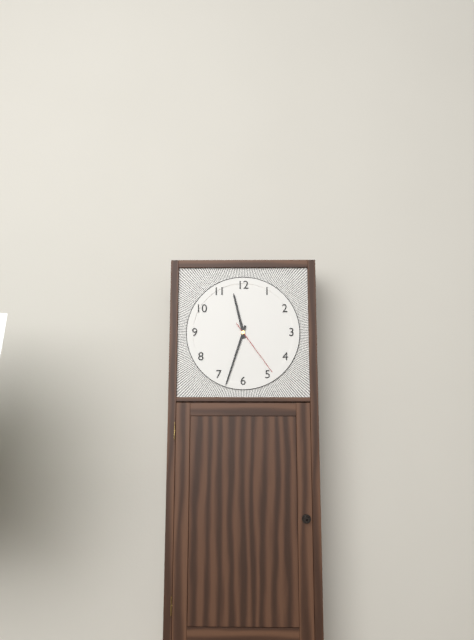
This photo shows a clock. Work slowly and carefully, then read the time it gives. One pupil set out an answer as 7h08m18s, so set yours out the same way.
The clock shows 11h33m24s
